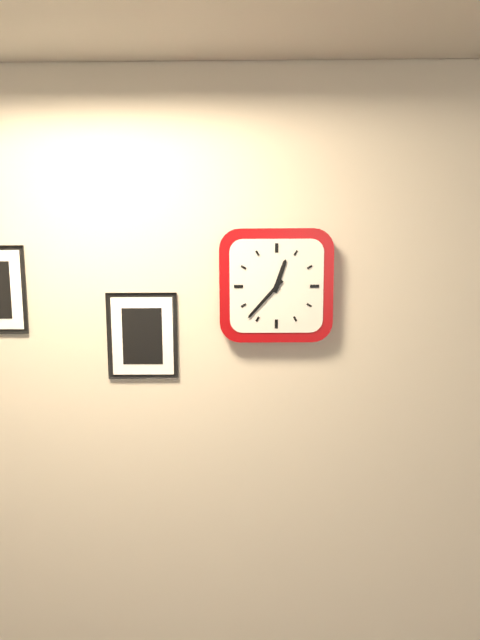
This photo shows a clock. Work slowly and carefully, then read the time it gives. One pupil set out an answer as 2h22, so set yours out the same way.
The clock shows 12h37
